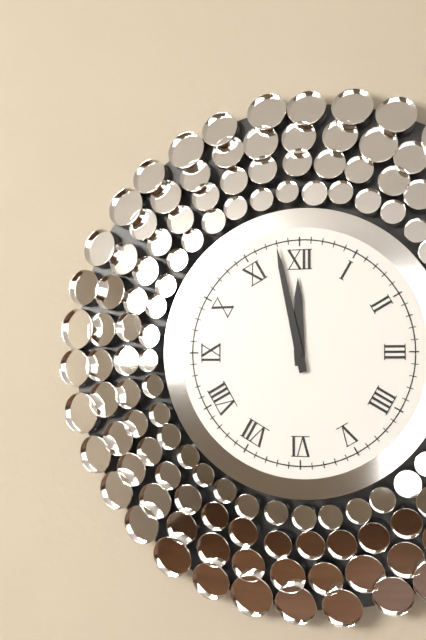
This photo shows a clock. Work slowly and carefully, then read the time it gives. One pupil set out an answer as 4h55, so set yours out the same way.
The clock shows 11h58
